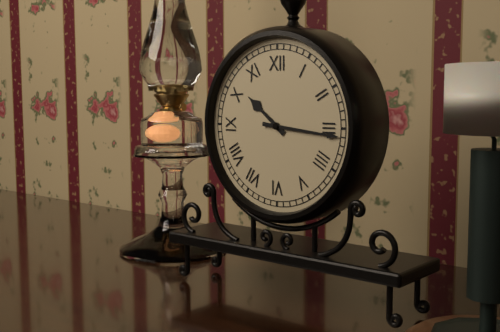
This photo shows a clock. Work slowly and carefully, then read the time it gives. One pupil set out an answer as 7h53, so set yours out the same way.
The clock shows 10h16
